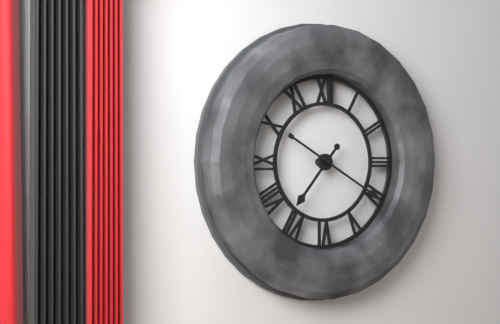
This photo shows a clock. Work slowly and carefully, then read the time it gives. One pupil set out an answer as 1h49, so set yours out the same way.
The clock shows 7h20
